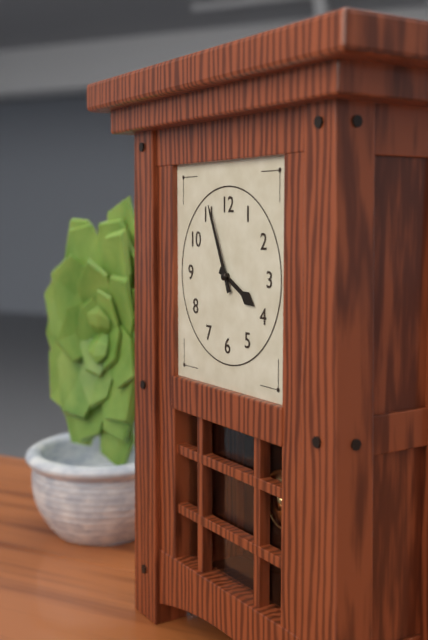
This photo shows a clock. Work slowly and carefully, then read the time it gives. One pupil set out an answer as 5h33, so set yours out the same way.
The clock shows 3h56
